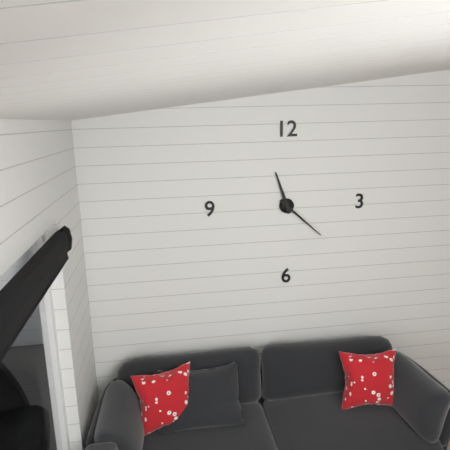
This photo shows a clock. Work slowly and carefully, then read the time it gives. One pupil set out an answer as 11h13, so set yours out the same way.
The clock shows 11h22
